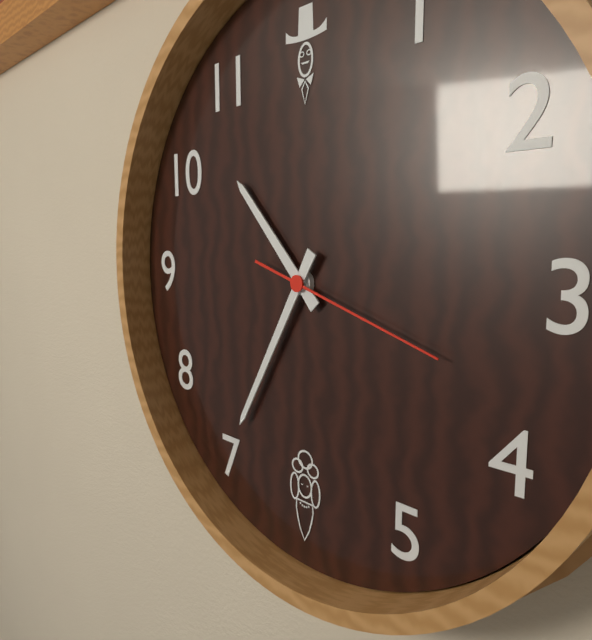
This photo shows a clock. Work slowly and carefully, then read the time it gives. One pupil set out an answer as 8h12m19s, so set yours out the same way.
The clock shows 10h35m18s
